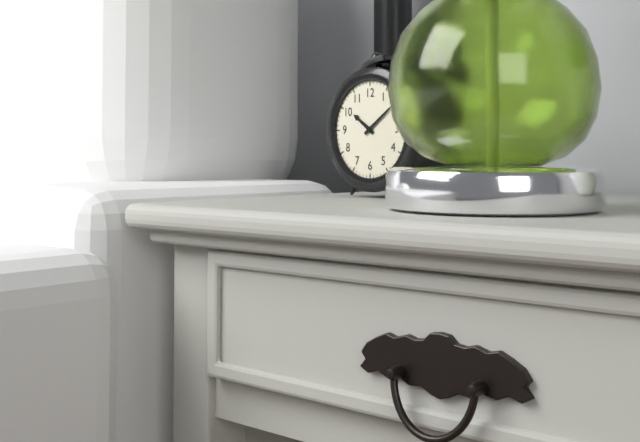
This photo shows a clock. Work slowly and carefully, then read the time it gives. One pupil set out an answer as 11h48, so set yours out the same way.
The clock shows 10h09
